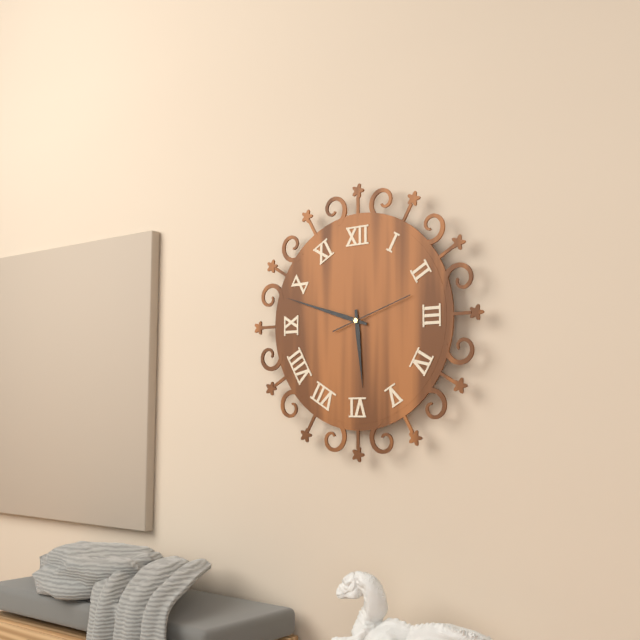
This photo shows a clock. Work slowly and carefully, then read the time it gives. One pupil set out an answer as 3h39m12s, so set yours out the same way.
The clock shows 5h48m12s
